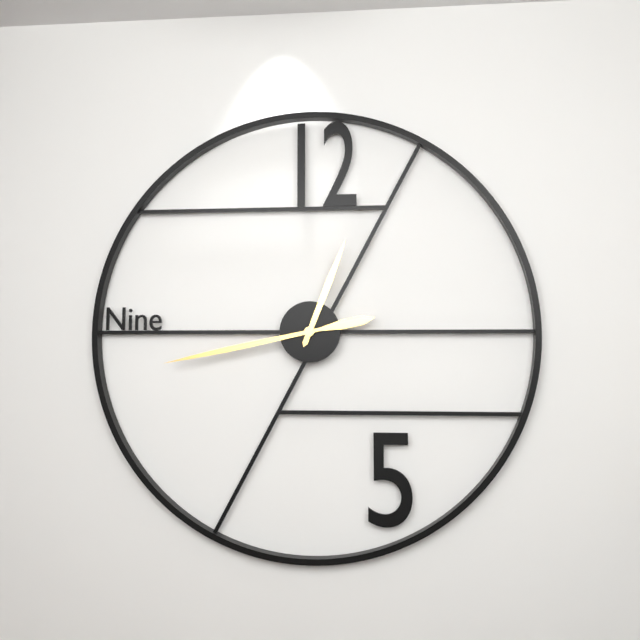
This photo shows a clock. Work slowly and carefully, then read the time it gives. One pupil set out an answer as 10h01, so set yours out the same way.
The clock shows 12h43
